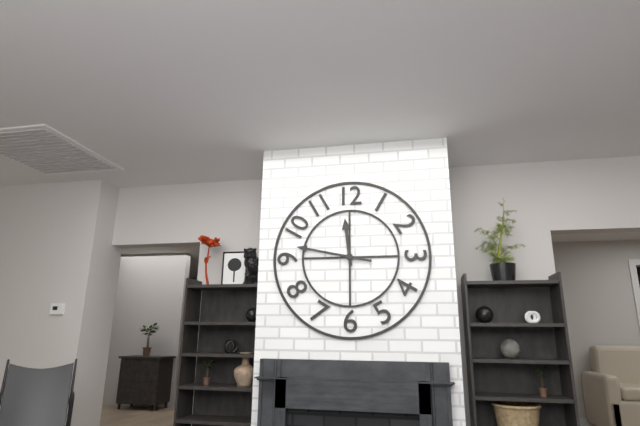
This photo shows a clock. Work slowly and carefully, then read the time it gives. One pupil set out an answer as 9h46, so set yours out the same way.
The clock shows 11h47
